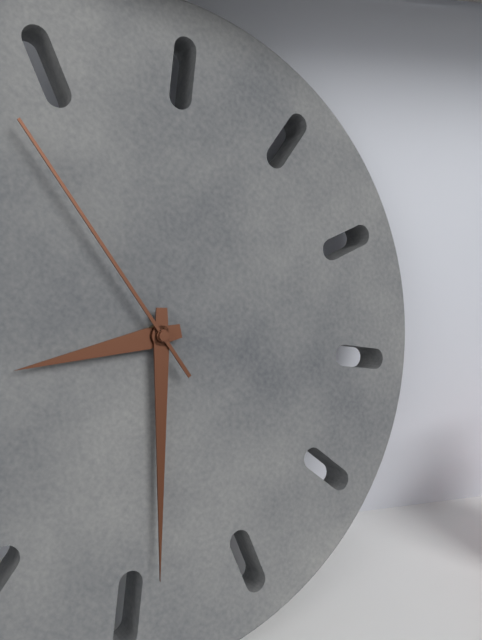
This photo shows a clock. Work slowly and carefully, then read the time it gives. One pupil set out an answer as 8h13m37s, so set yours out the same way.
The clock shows 7h24m48s
